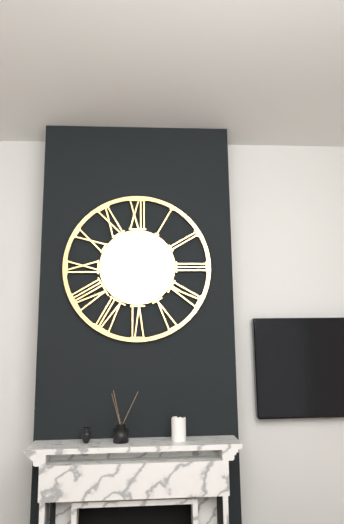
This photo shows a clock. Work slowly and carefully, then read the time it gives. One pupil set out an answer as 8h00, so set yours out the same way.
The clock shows 1h20
